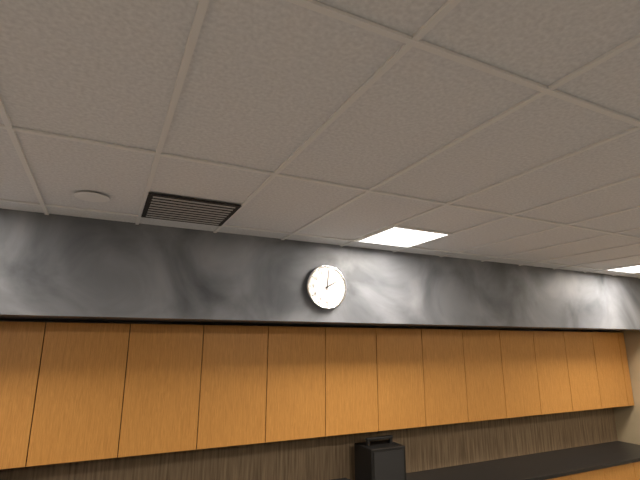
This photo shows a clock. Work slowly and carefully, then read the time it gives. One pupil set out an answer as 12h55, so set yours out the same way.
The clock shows 2h01
